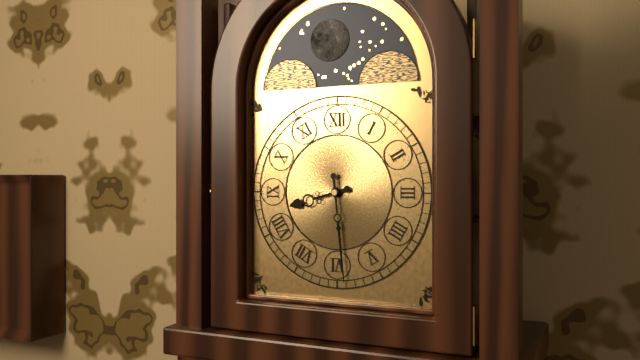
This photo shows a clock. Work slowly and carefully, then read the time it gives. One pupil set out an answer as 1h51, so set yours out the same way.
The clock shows 8h29
